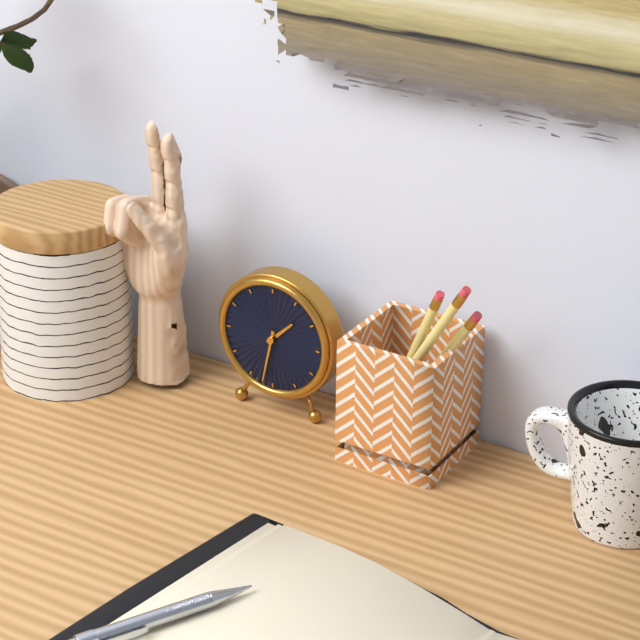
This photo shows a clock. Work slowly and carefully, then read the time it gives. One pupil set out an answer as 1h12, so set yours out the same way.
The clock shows 1h32
